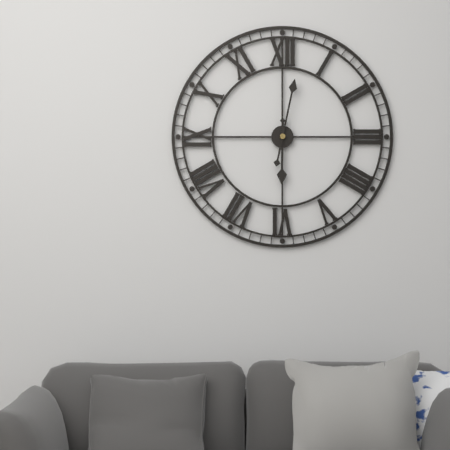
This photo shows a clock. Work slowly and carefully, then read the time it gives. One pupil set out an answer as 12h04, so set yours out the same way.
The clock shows 6h02
